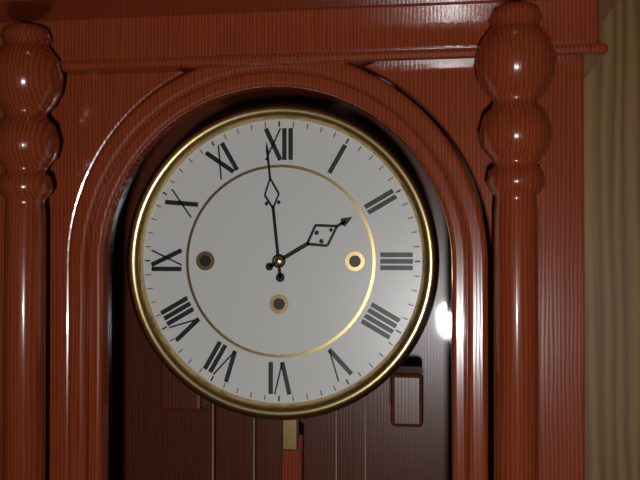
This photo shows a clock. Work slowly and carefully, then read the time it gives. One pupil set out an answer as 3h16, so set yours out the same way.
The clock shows 1h59
